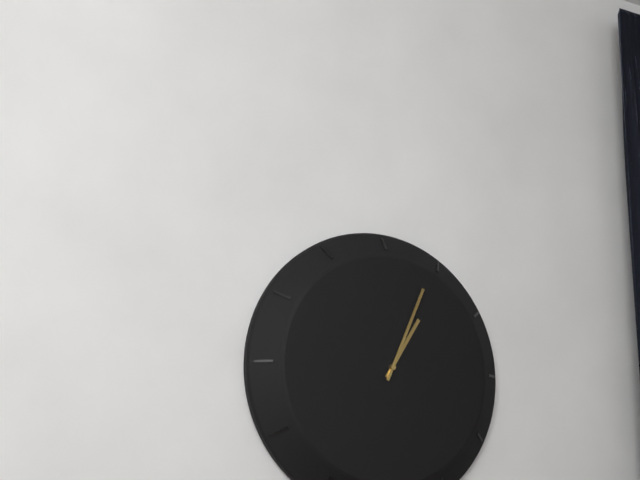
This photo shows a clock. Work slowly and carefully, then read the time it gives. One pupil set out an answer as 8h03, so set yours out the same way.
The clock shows 1h04
